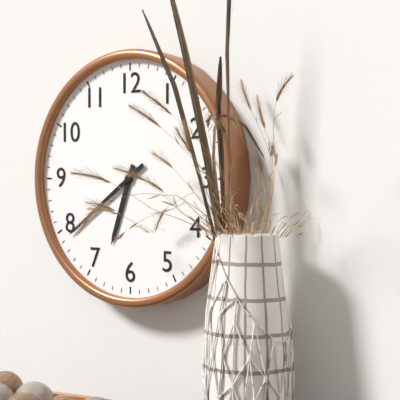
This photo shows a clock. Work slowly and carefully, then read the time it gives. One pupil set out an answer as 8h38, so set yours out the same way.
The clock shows 6h39
